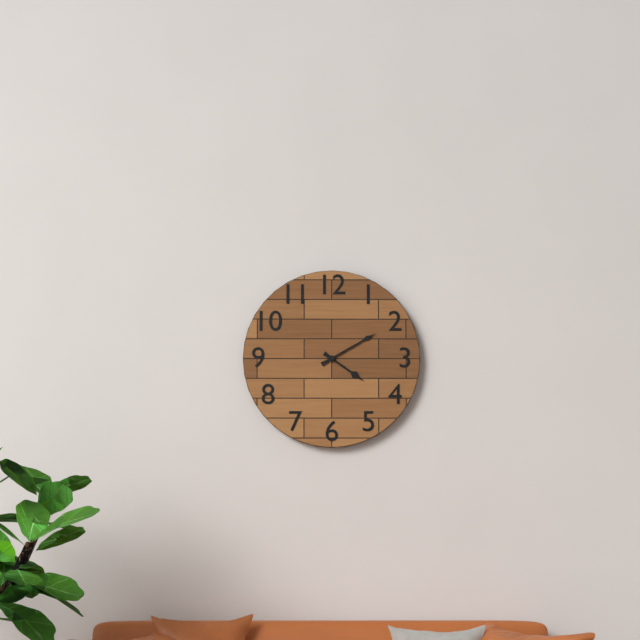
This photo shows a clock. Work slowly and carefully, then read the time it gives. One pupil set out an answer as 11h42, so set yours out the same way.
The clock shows 4h10
